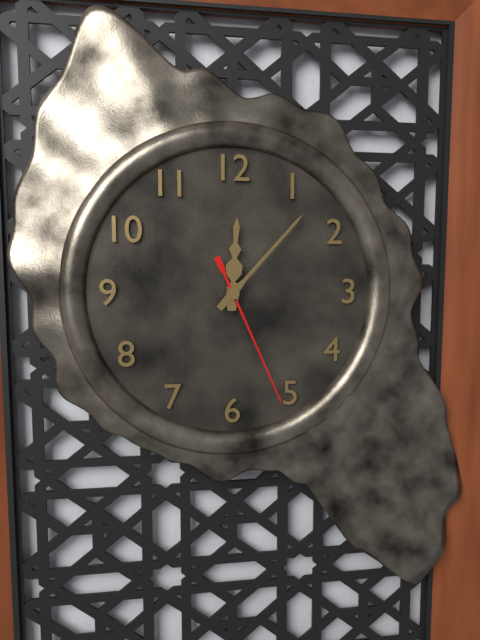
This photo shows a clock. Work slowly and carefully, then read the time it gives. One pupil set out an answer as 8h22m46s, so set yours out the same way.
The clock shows 12h07m26s
